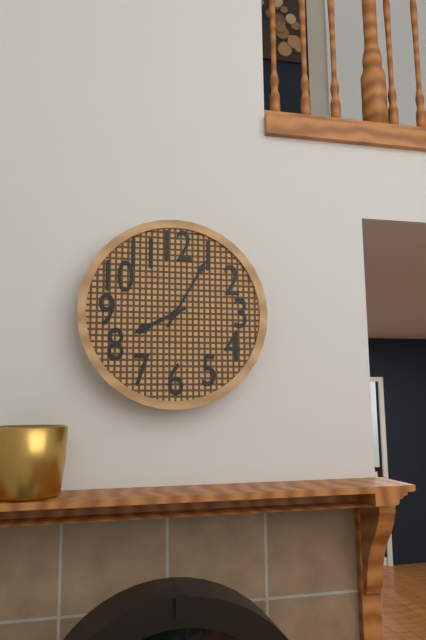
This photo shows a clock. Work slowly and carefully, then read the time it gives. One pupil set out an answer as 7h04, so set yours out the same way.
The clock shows 8h05
